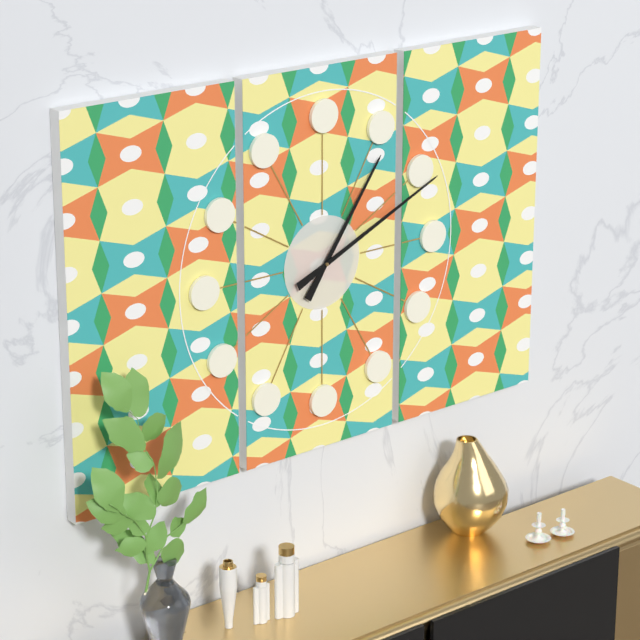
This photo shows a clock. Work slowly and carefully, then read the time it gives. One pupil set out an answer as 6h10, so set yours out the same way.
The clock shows 1h11
